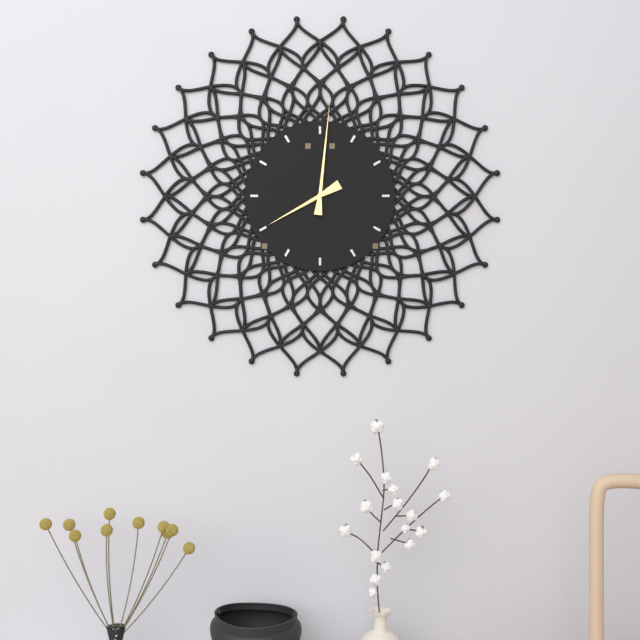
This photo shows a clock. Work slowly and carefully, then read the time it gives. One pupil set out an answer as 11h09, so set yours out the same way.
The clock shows 8h01
